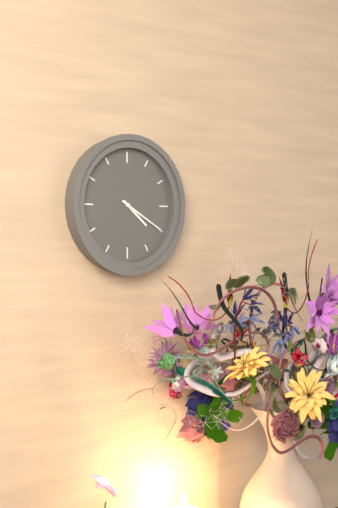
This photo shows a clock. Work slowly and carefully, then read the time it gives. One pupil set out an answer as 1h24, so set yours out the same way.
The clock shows 4h20
